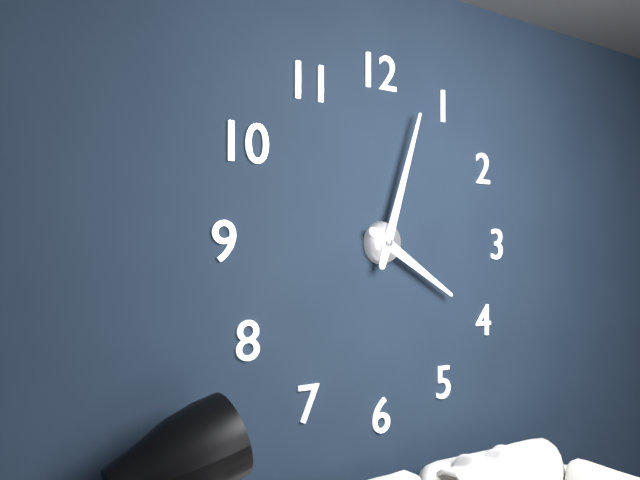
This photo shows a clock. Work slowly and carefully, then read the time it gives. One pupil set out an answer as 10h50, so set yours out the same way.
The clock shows 4h03
